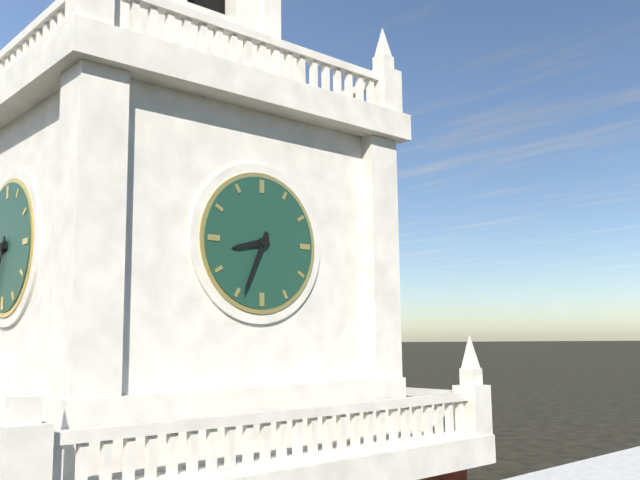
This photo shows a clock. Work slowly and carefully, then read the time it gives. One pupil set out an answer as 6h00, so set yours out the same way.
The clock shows 8h34
